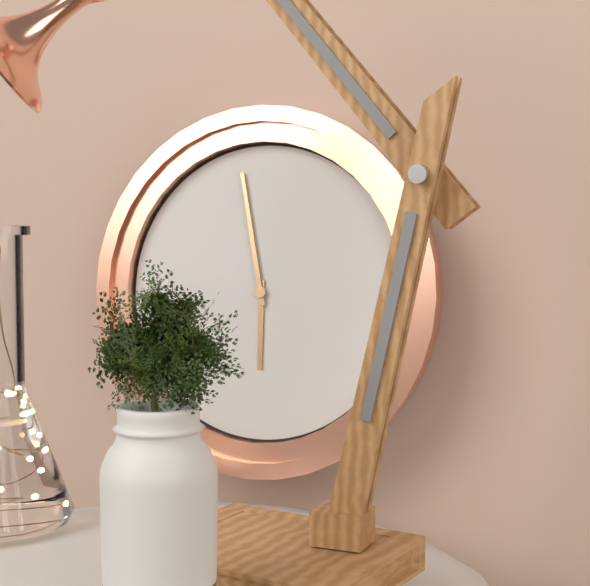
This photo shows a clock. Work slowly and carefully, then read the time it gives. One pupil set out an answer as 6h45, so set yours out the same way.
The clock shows 5h58
